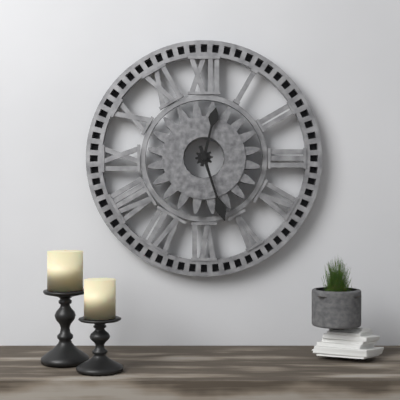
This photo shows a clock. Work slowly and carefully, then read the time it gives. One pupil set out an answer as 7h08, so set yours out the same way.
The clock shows 12h27
